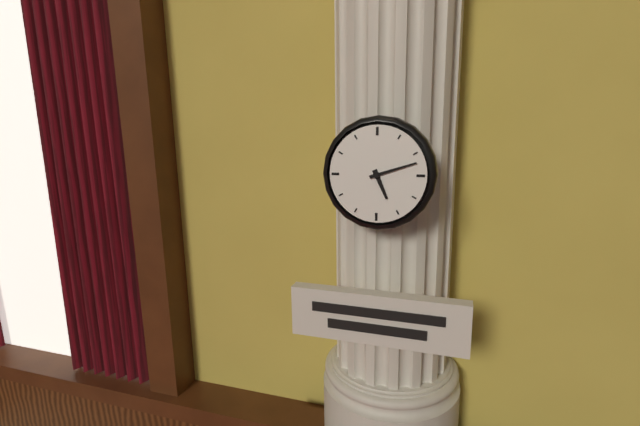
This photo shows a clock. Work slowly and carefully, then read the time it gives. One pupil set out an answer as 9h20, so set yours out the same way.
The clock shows 5h12
